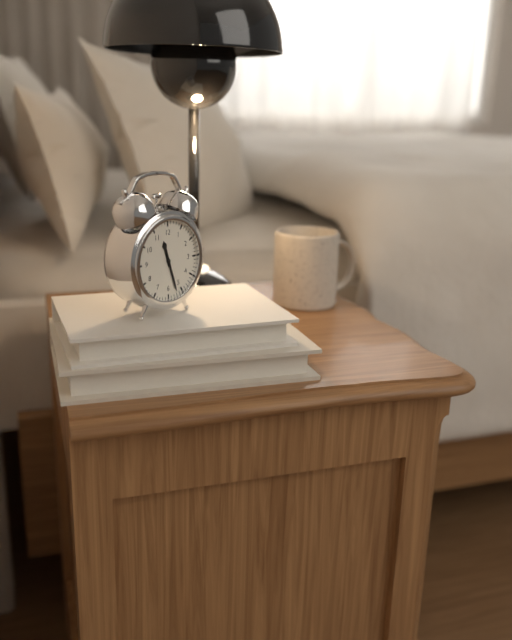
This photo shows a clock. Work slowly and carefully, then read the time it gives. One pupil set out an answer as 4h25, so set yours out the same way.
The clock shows 11h27
